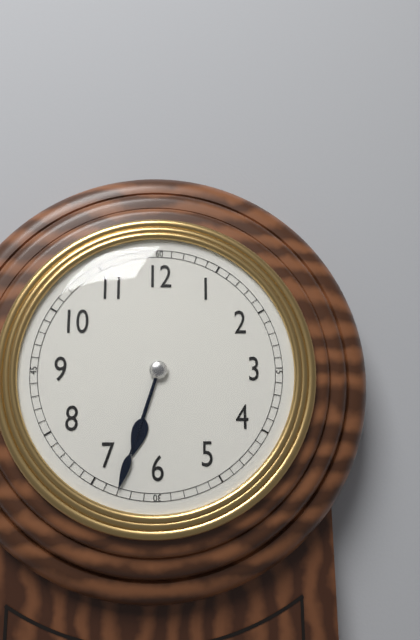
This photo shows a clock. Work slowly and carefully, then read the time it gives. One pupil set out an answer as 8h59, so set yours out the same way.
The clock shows 6h33
